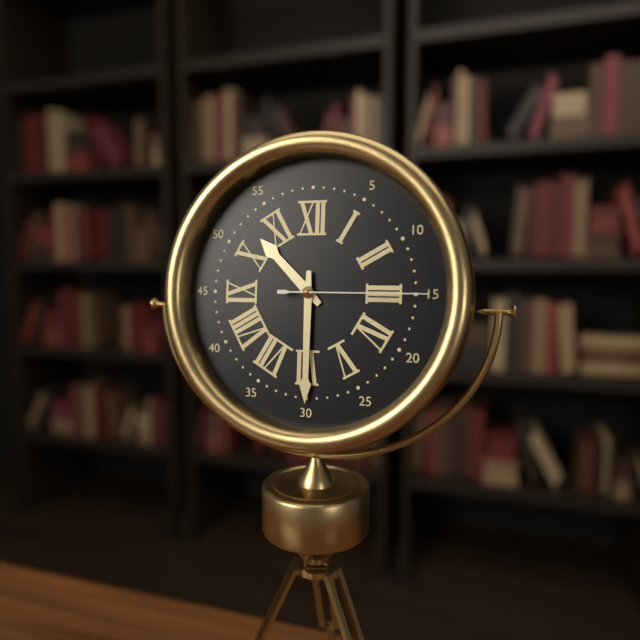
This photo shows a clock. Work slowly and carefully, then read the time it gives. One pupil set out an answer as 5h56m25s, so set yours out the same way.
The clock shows 10h30m15s
